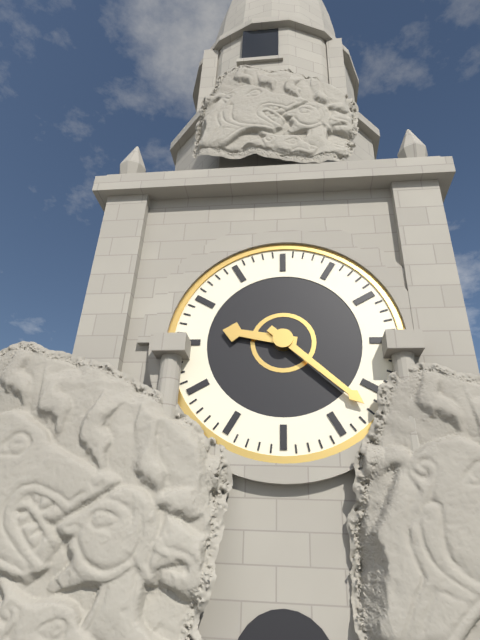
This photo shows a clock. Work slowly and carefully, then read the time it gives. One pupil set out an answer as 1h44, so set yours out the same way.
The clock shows 9h22
